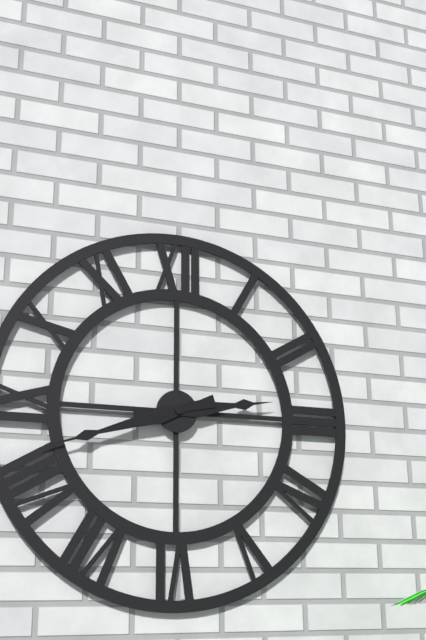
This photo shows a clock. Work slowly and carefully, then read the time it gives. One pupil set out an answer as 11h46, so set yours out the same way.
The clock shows 2h42
